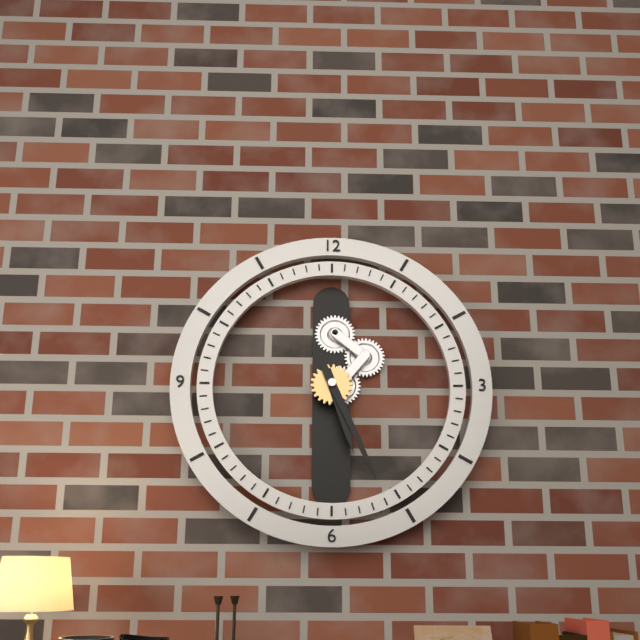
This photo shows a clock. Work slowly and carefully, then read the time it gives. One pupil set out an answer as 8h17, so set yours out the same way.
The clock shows 5h26
